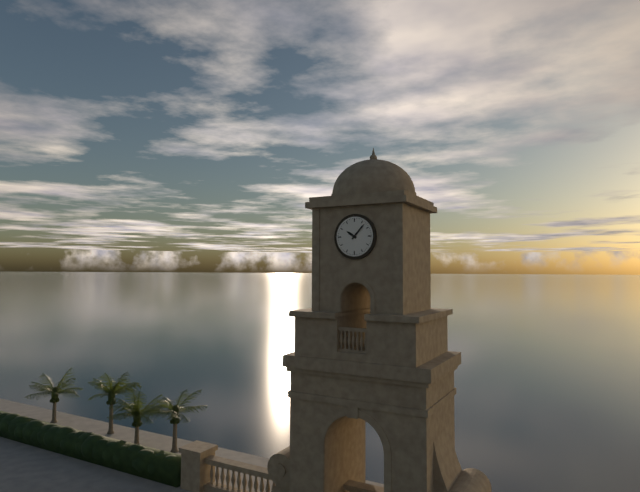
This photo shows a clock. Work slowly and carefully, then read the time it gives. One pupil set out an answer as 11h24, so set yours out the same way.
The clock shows 10h07
